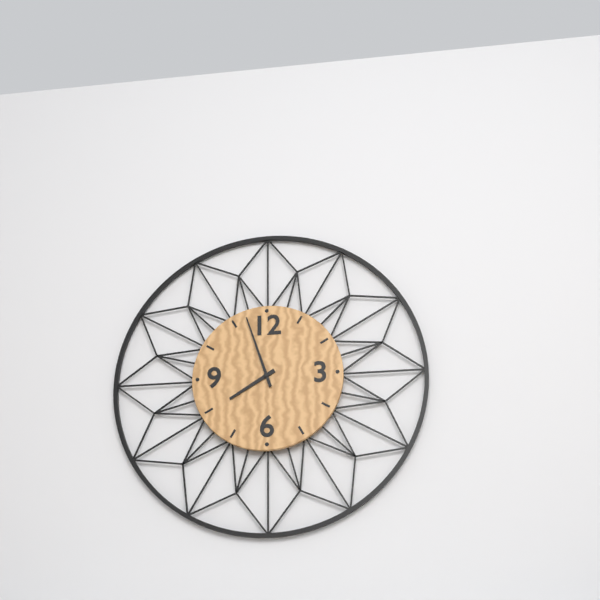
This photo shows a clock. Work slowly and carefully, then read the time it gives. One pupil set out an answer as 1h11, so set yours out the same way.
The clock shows 7h57
